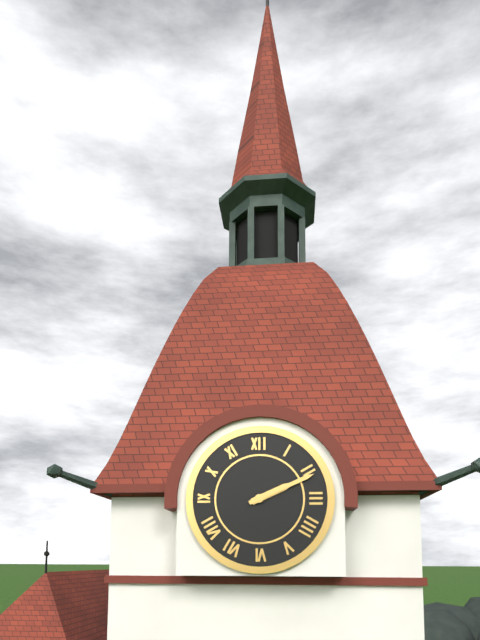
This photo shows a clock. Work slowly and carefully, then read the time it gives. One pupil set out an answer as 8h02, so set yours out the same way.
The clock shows 2h11
